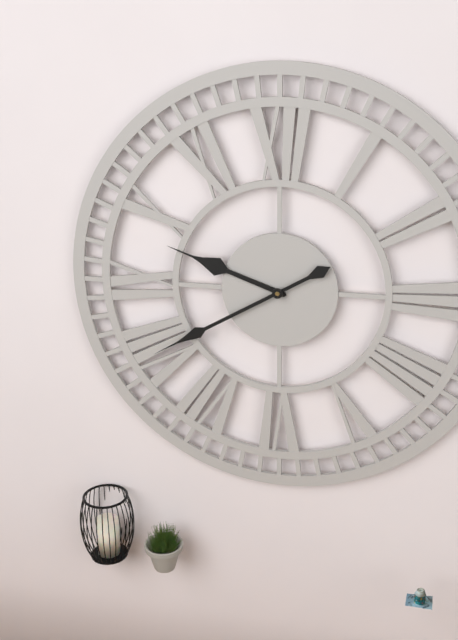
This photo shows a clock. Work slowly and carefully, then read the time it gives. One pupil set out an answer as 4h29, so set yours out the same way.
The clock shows 9h40
